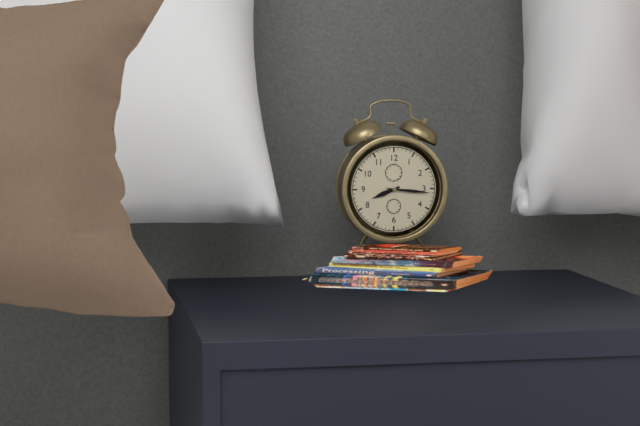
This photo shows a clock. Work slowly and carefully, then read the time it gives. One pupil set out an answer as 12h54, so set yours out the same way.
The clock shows 8h16
